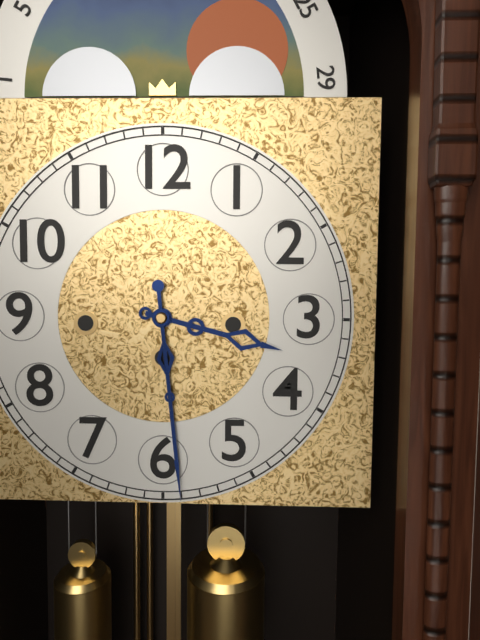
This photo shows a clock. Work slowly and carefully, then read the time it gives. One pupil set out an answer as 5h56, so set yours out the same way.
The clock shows 3h29
